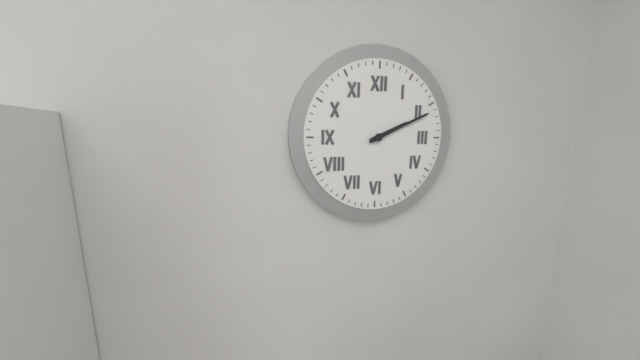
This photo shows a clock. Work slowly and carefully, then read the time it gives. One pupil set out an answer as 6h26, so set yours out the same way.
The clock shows 2h11
